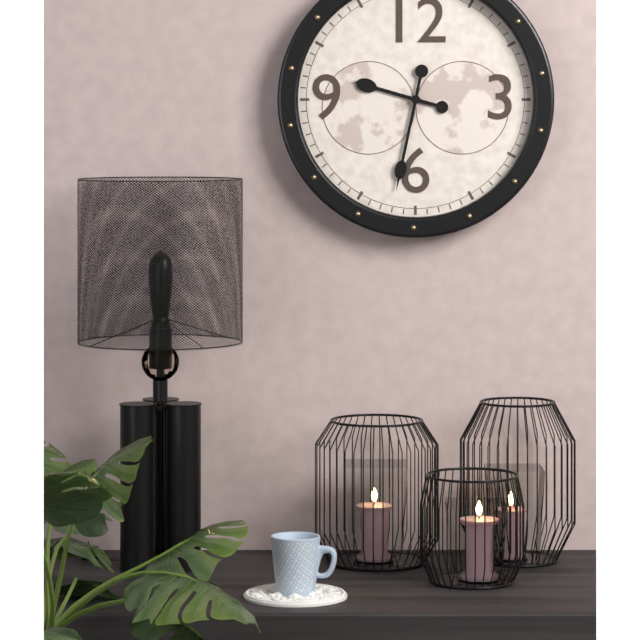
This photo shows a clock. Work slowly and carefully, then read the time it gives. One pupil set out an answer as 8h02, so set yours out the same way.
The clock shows 9h32
